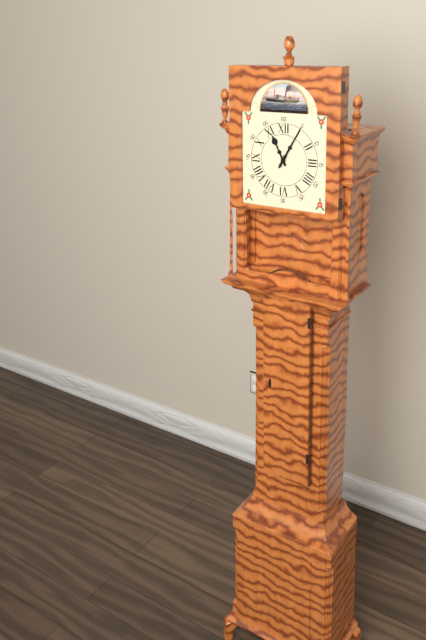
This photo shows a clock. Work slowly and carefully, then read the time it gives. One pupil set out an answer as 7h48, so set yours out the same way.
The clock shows 11h05
